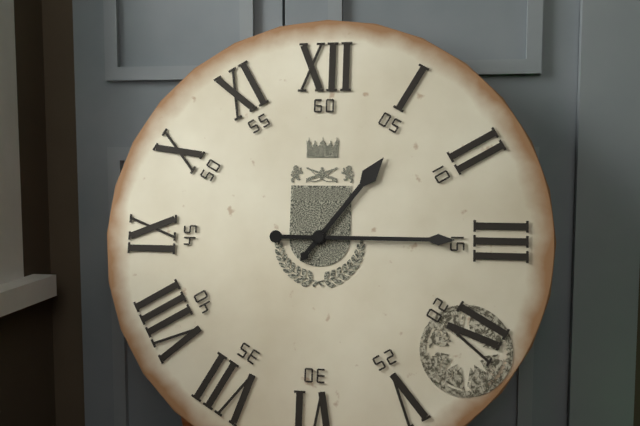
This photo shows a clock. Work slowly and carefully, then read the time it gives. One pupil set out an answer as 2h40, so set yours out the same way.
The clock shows 1h15
